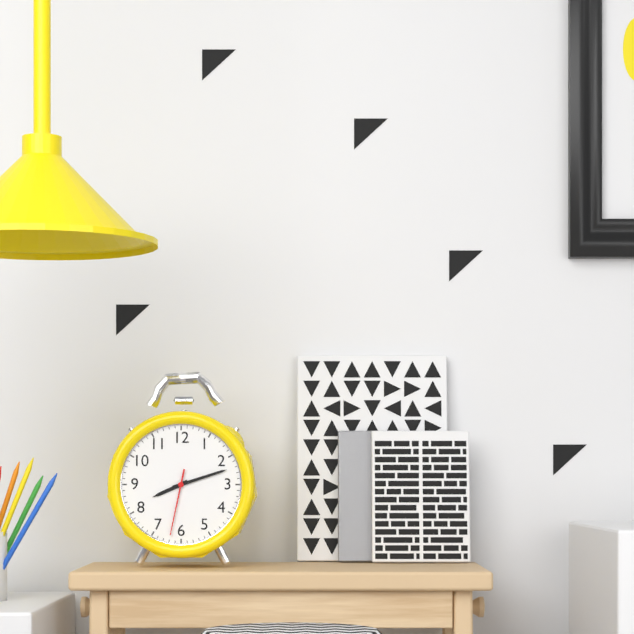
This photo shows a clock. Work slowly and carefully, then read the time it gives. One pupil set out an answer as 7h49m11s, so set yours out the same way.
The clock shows 8h12m32s
